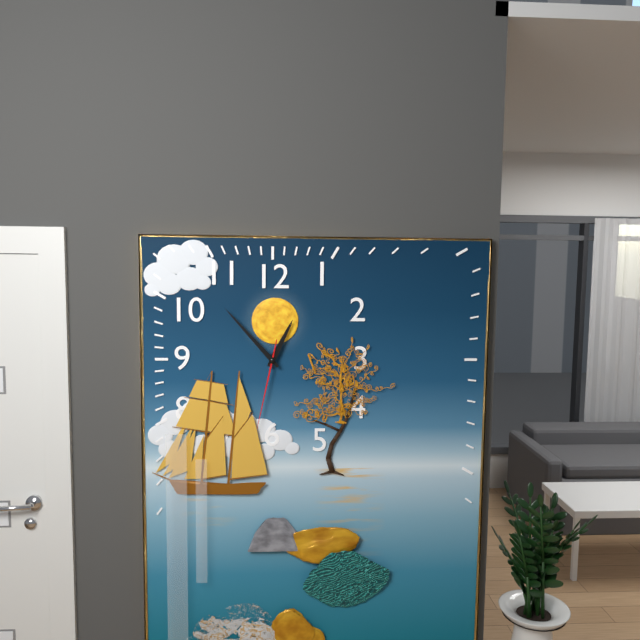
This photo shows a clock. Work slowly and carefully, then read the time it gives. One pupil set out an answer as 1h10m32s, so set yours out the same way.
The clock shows 12h53m32s
